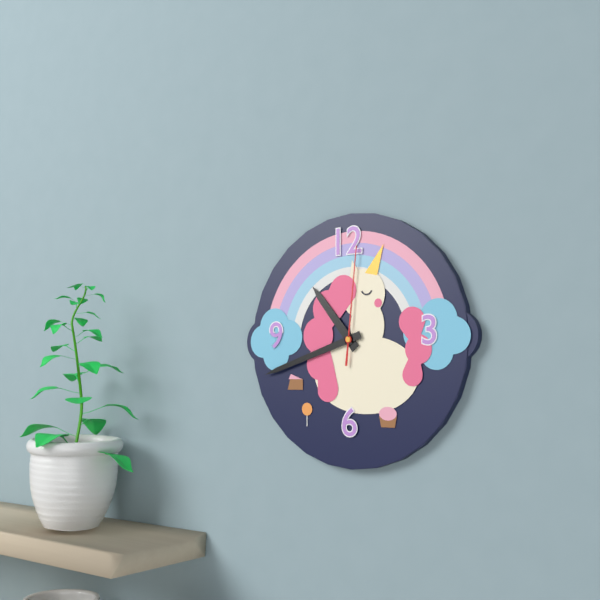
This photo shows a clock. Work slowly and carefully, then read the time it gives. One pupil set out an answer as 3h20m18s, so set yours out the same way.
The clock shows 10h42m01s
